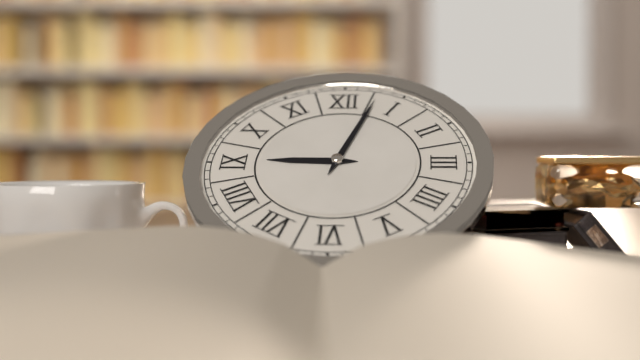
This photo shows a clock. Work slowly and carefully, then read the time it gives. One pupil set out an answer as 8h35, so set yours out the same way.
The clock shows 9h03
